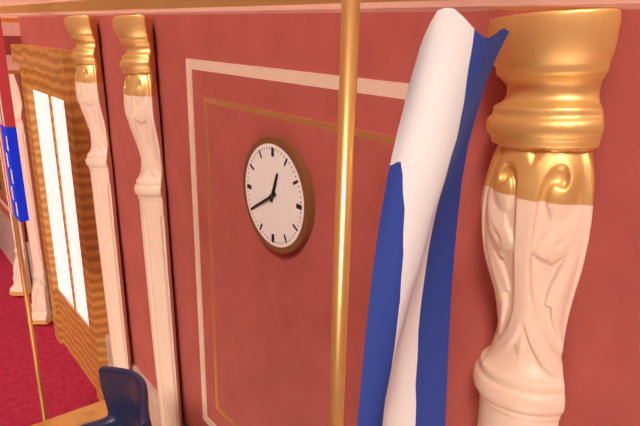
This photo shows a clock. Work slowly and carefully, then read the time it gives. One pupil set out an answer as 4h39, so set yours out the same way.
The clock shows 12h40
